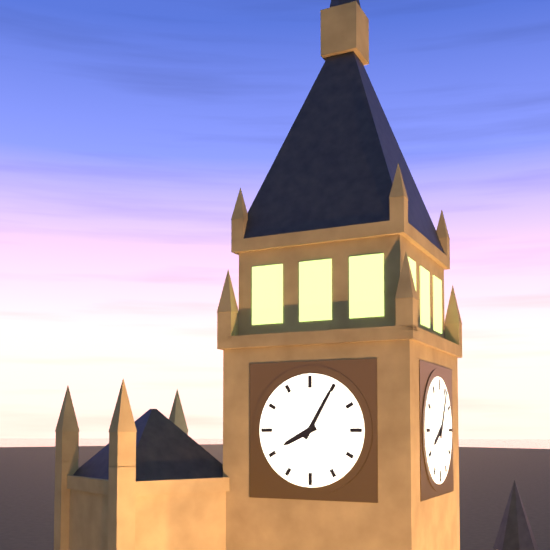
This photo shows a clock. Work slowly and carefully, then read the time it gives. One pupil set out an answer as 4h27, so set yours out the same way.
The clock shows 8h05
